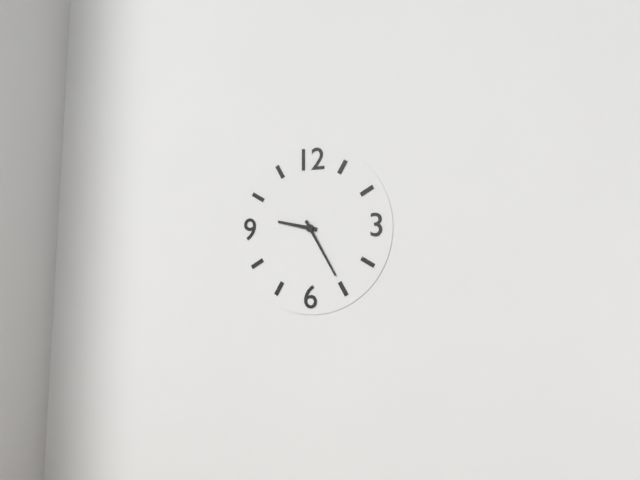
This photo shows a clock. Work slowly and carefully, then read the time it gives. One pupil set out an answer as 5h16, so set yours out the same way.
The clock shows 9h25
